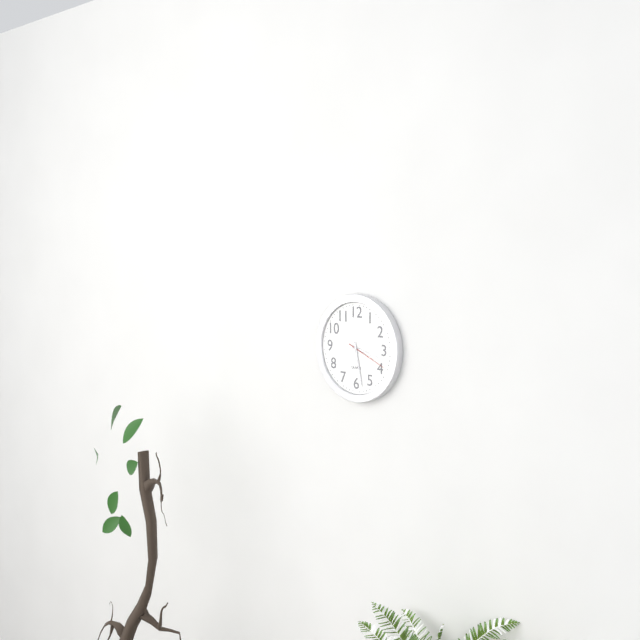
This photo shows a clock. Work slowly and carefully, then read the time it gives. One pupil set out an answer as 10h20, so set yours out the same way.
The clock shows 3h28
